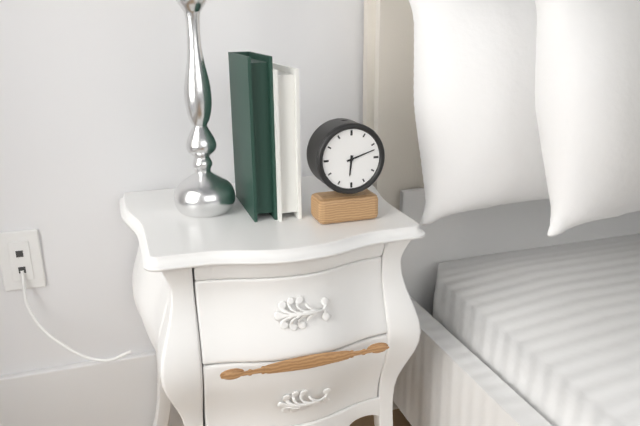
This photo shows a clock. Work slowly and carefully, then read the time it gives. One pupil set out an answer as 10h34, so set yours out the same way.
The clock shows 6h12
